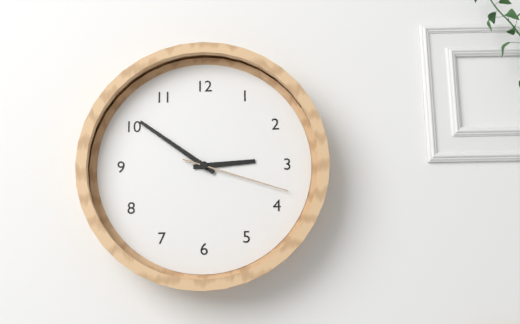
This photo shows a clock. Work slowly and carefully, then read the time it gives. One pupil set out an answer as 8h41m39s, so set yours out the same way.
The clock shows 2h51m18s
